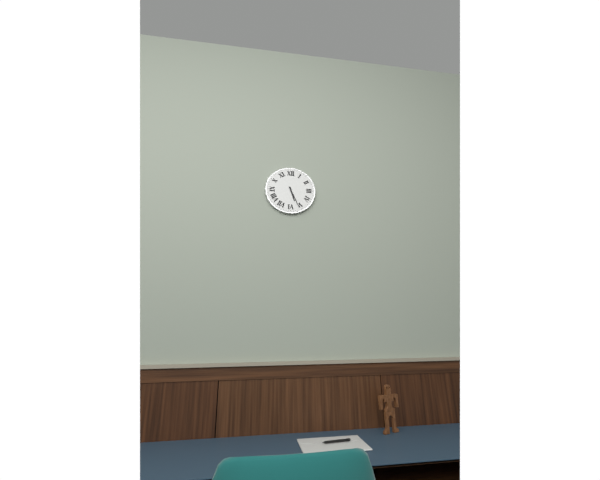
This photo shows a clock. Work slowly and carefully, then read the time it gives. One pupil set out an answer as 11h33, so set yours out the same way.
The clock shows 5h26
